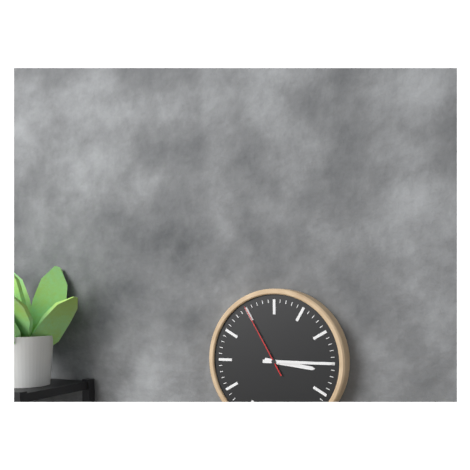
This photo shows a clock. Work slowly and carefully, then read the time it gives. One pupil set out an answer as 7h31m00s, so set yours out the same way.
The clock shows 3h15m55s
